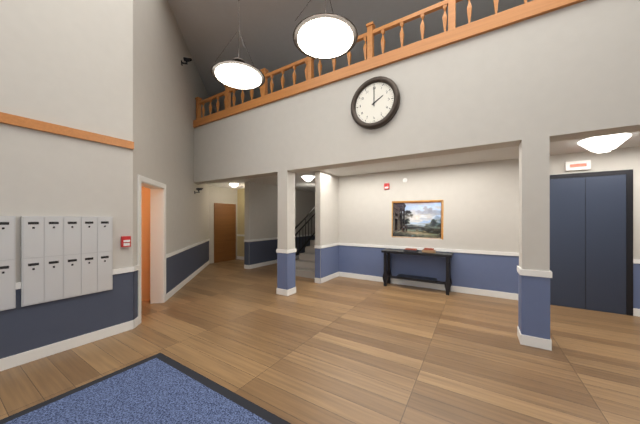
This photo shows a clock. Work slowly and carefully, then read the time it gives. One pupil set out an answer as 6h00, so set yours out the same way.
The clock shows 2h00
